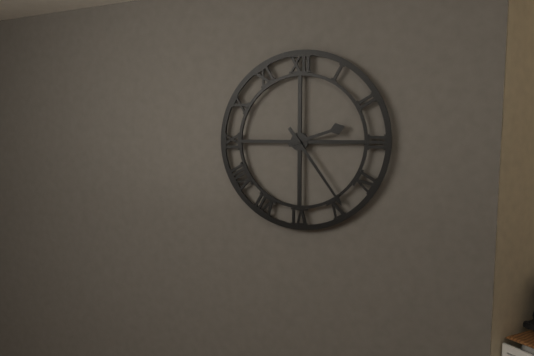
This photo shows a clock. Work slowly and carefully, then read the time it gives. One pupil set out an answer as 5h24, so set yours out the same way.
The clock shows 2h24
